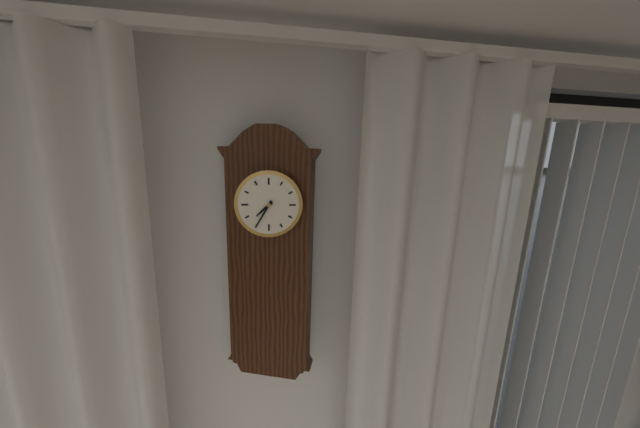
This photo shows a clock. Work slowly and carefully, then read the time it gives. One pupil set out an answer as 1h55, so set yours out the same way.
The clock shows 7h35
